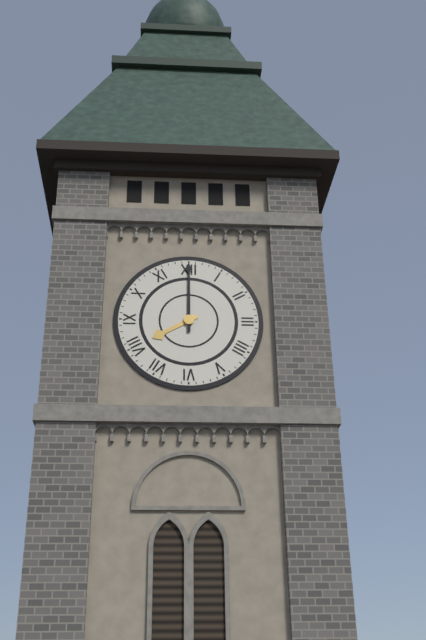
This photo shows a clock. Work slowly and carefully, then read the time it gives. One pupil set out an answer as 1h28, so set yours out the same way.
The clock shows 8h00
